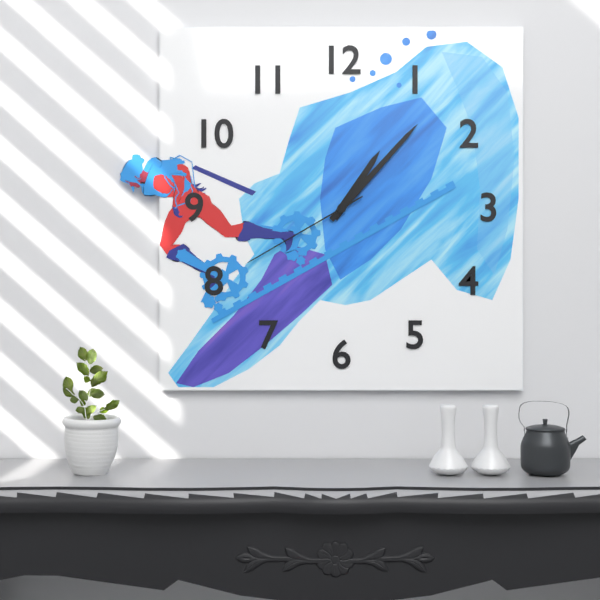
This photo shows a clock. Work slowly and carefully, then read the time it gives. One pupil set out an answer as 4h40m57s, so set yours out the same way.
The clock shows 1h07m40s
